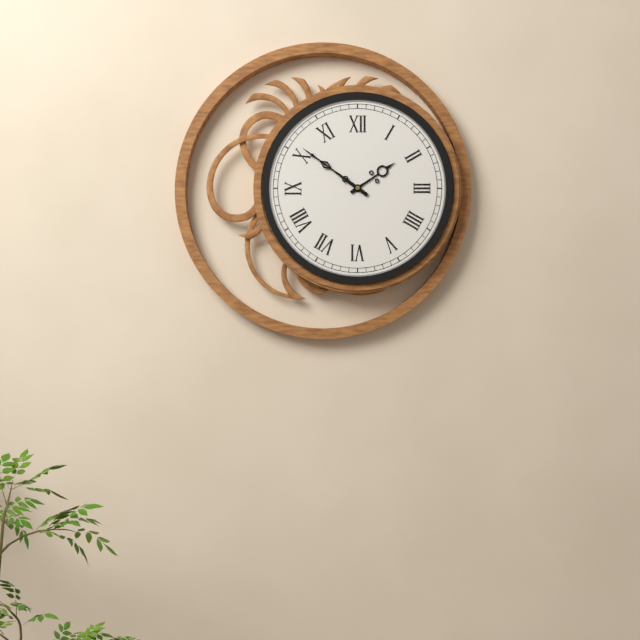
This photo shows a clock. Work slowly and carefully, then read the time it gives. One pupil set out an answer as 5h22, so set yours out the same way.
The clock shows 1h51
